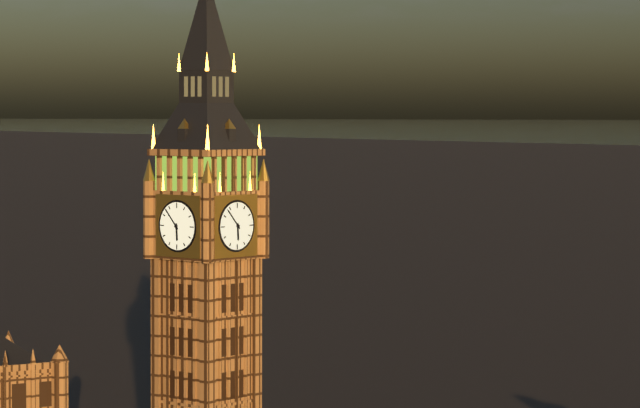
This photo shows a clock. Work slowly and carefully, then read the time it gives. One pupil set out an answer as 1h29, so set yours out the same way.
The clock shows 5h53
